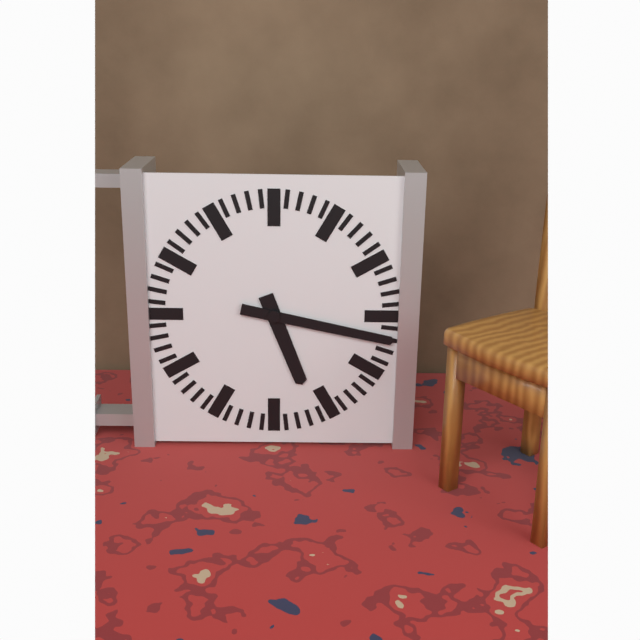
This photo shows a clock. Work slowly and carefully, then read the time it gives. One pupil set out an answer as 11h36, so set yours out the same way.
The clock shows 5h17
